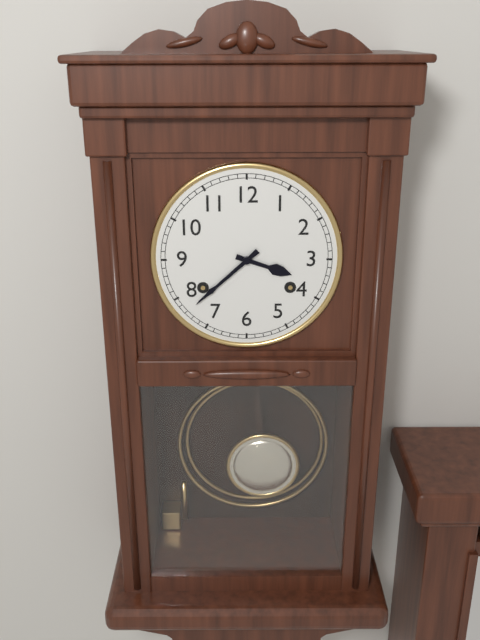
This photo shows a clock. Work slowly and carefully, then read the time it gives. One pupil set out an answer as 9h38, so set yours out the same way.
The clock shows 3h38
